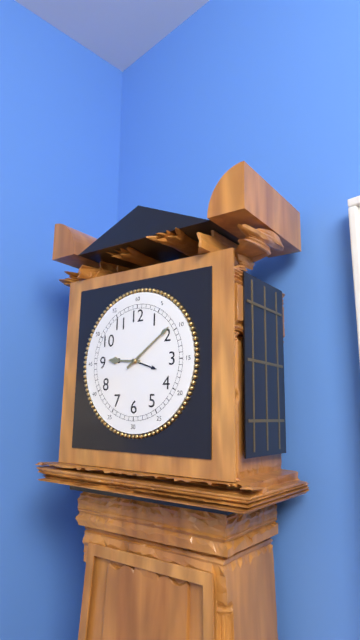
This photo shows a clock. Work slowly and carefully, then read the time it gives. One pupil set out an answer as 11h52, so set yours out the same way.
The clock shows 9h09
